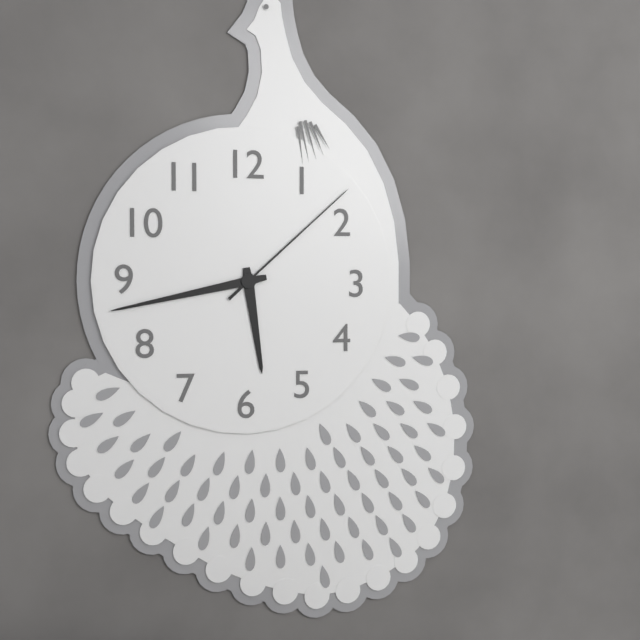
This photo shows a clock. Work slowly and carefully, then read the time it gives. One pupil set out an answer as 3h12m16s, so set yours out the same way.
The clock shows 5h43m08s
